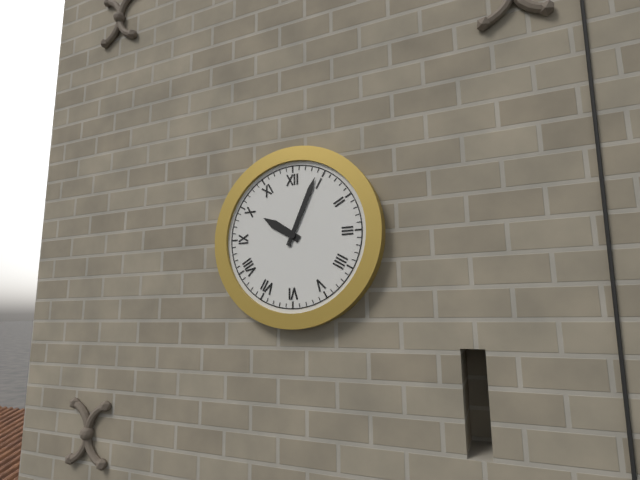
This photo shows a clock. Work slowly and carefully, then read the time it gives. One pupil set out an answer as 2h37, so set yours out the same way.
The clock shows 10h04
